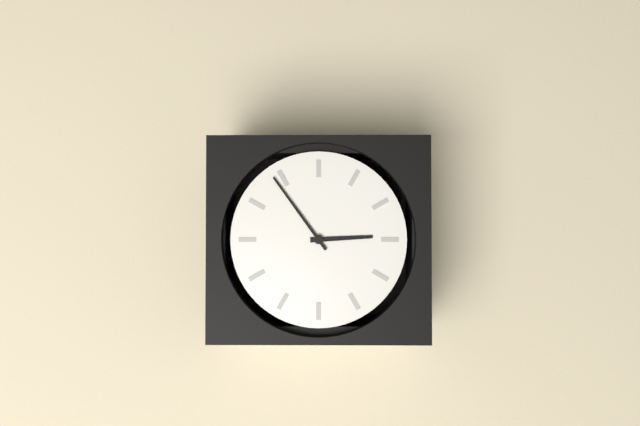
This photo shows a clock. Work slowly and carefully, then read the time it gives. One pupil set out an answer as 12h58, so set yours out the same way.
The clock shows 2h54
